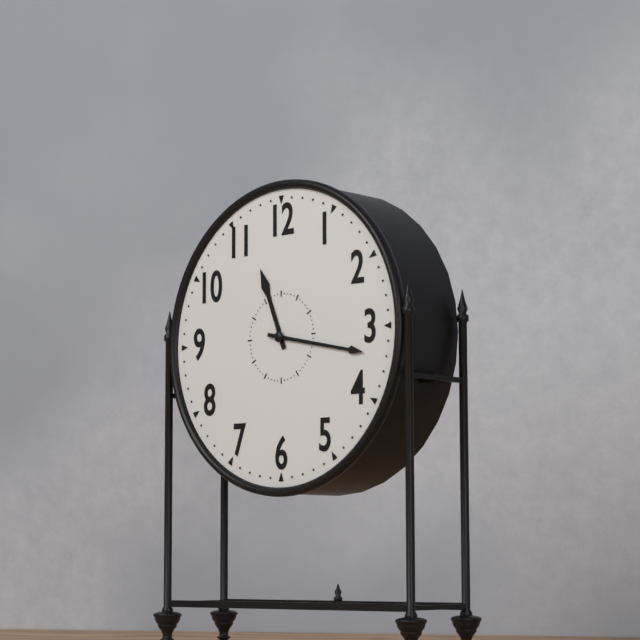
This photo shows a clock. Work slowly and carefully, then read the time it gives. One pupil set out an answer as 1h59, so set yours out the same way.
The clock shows 11h17
